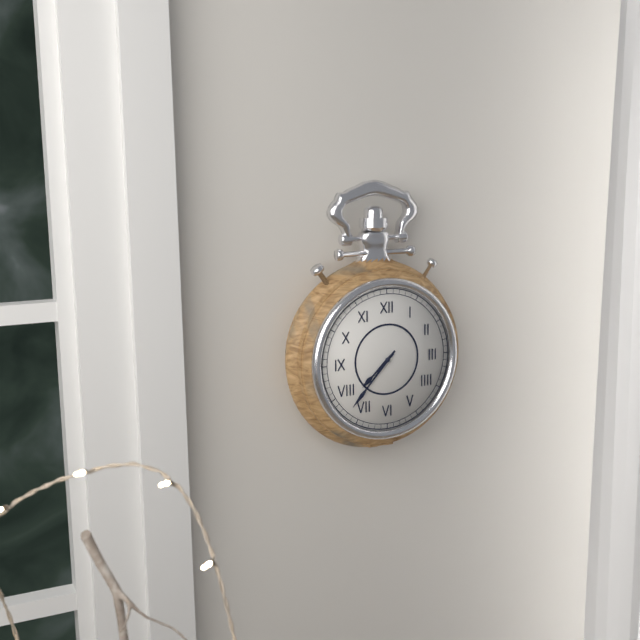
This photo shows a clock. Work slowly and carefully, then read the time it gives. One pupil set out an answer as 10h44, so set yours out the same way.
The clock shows 7h37
